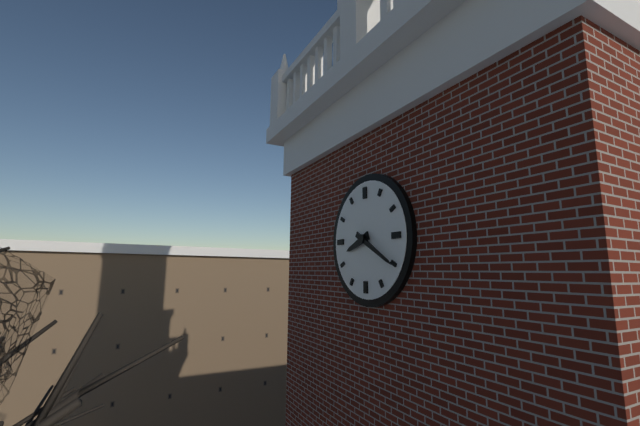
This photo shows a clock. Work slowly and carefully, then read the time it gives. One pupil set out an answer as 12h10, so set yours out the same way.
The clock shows 8h20
